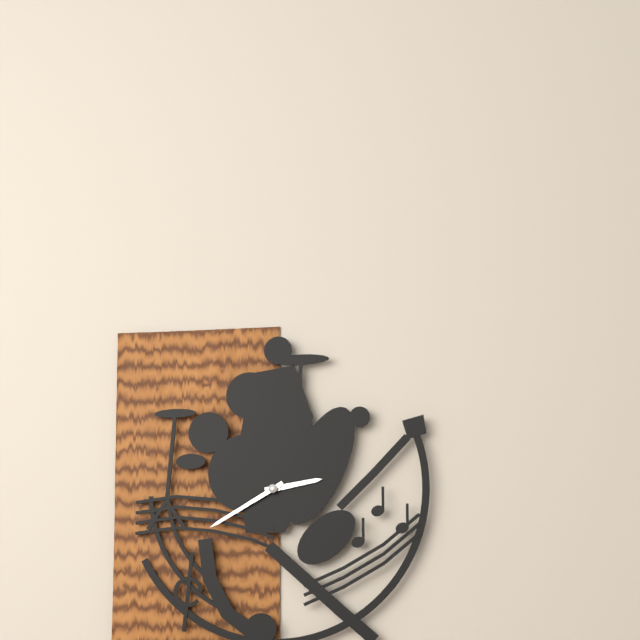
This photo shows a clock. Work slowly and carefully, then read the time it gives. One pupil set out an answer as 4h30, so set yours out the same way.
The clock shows 2h40
